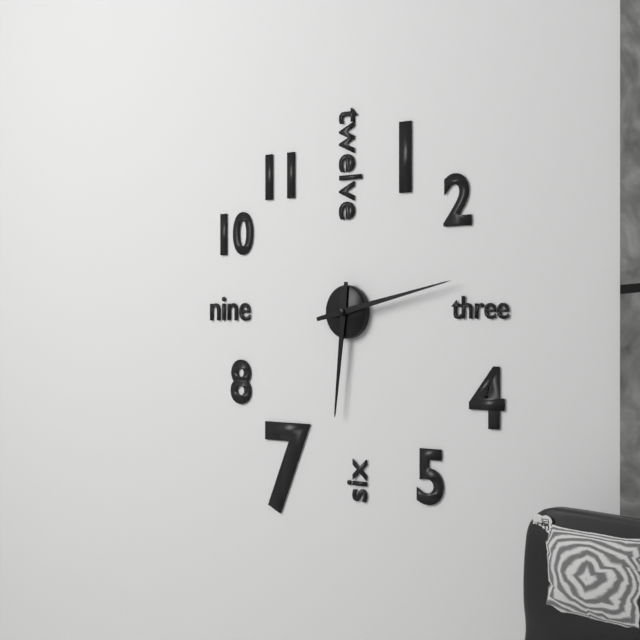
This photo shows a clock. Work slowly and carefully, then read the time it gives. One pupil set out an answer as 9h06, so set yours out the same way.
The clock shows 6h13
